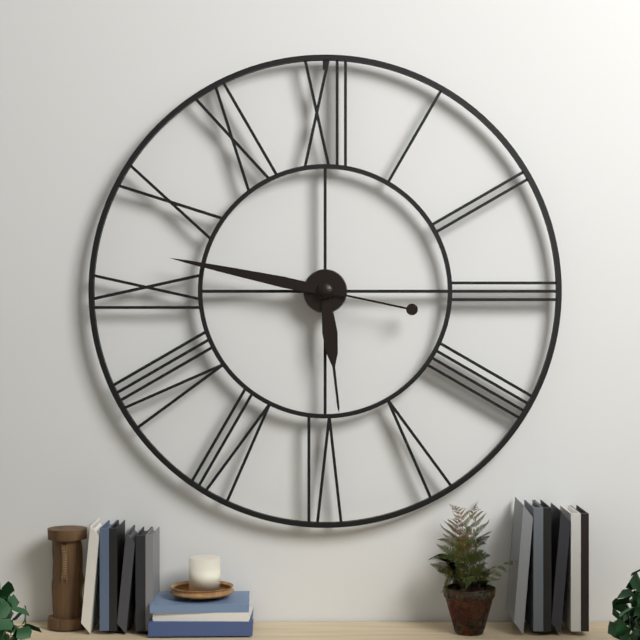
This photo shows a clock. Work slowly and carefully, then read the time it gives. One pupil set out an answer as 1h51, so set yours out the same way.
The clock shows 5h47
